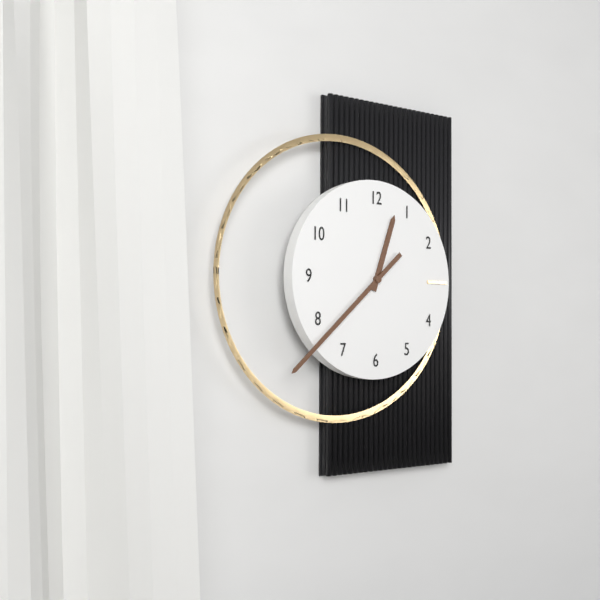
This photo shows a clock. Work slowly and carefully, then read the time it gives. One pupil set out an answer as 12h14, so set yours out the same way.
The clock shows 12h38
